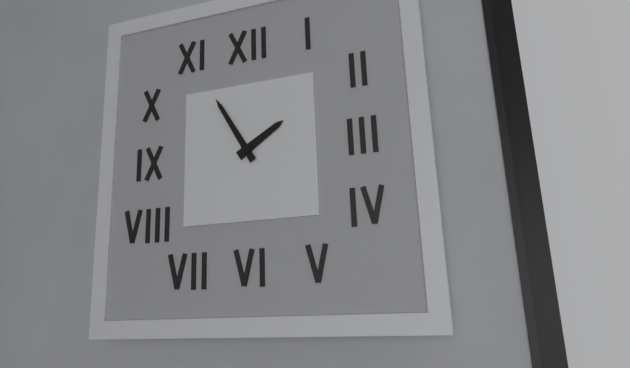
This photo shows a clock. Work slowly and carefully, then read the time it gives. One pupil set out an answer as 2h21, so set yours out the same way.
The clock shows 1h55
